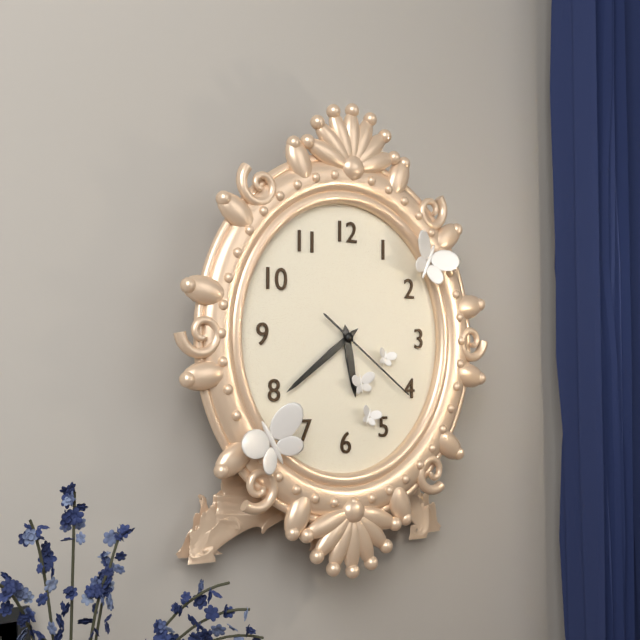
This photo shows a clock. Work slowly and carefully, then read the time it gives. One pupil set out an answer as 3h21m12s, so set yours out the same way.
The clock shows 5h39m21s
